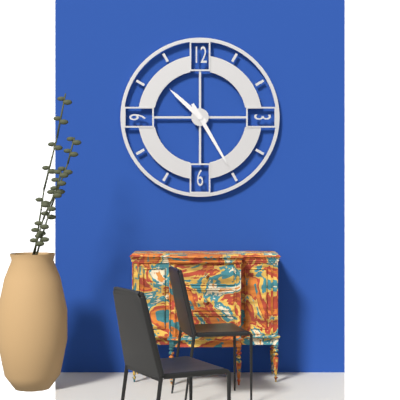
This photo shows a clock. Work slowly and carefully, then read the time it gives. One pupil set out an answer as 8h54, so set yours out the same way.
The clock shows 10h25
